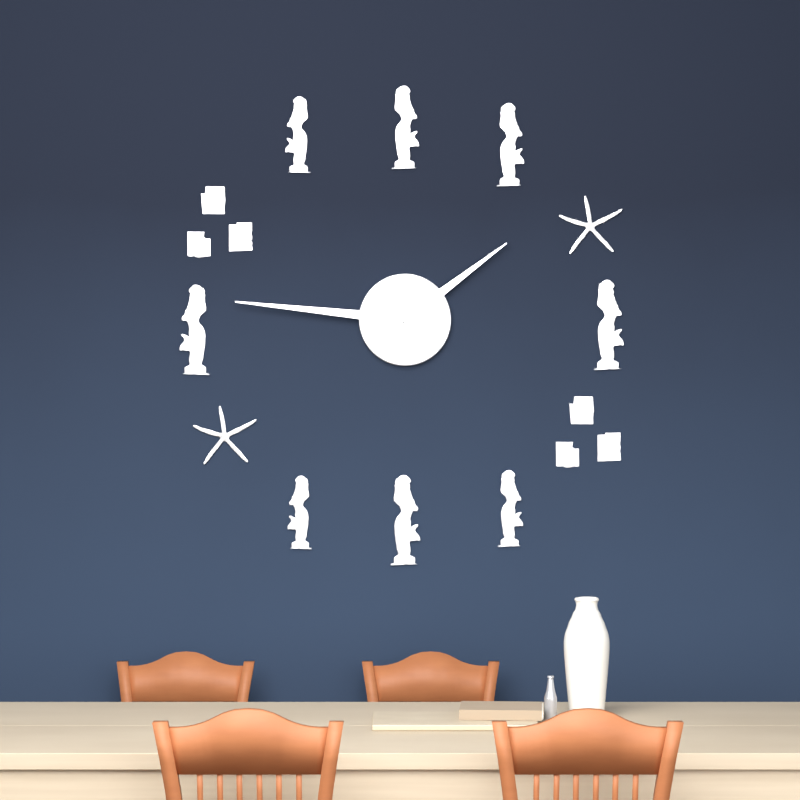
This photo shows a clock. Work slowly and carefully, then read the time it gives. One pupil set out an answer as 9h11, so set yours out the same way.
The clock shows 1h46
